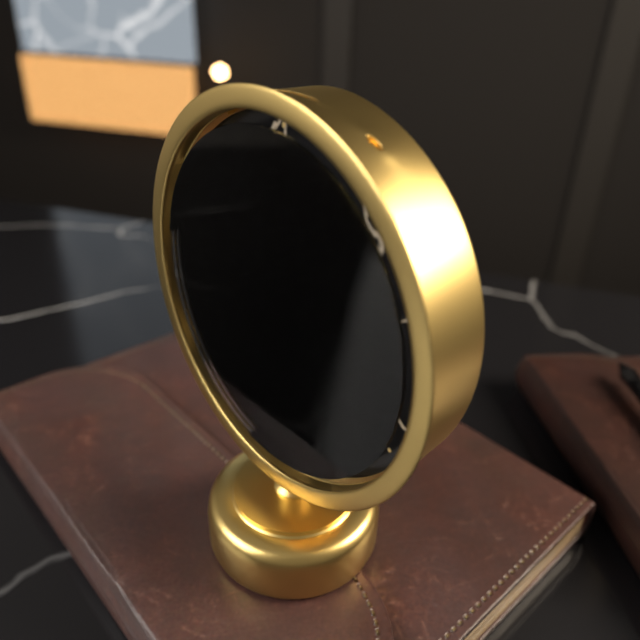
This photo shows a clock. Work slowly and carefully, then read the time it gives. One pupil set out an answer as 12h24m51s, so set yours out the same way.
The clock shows 7h31m18s
